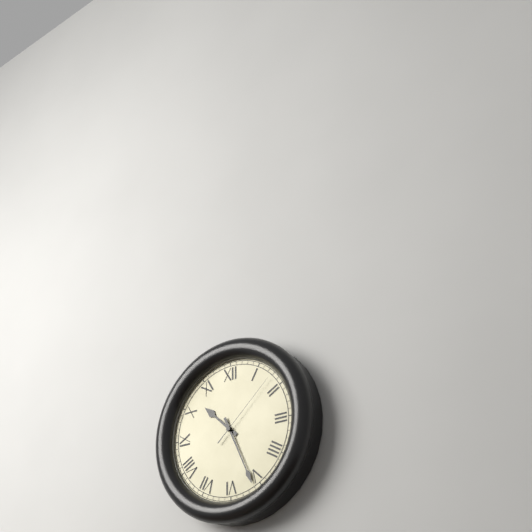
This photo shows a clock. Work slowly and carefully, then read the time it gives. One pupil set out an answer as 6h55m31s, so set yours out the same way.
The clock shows 10h26m08s
